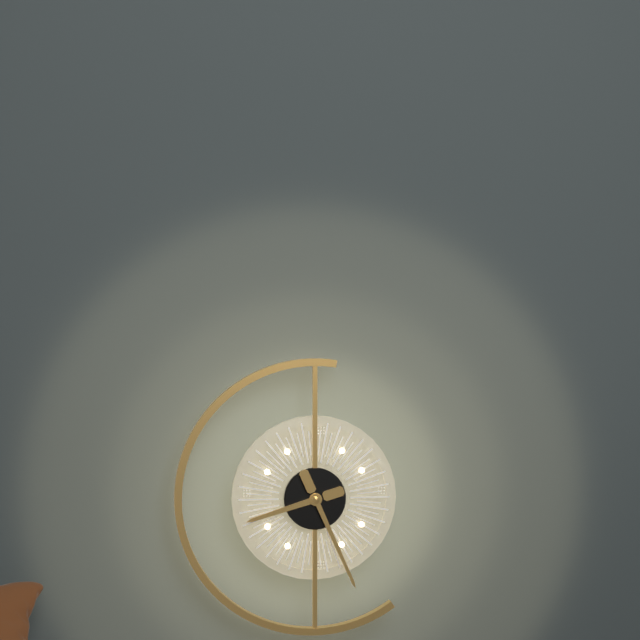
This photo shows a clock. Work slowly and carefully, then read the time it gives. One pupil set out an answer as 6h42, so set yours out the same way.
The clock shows 8h26
